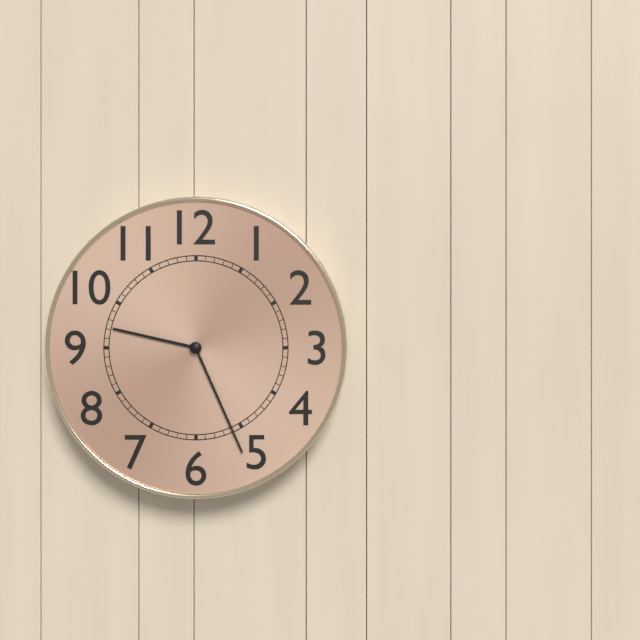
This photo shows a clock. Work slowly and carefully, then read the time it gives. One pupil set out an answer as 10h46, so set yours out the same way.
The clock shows 9h26
